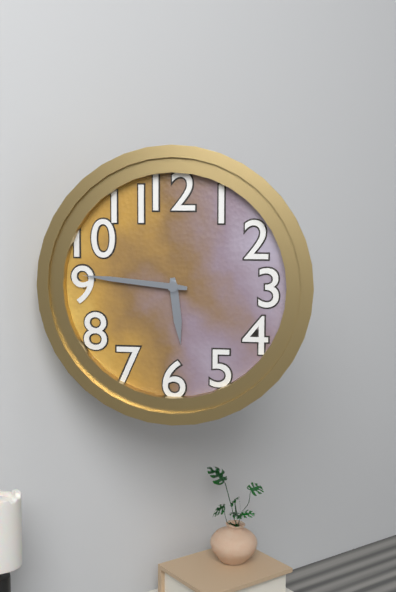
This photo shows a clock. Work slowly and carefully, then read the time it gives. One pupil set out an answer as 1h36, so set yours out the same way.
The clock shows 5h46
